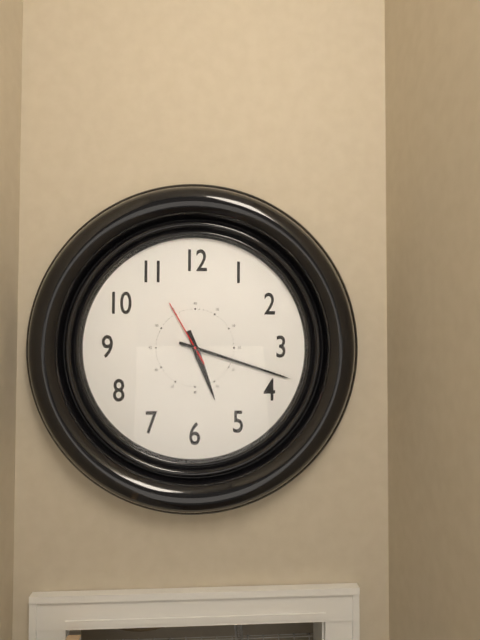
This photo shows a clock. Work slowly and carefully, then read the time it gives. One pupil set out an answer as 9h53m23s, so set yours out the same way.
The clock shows 5h18m55s
